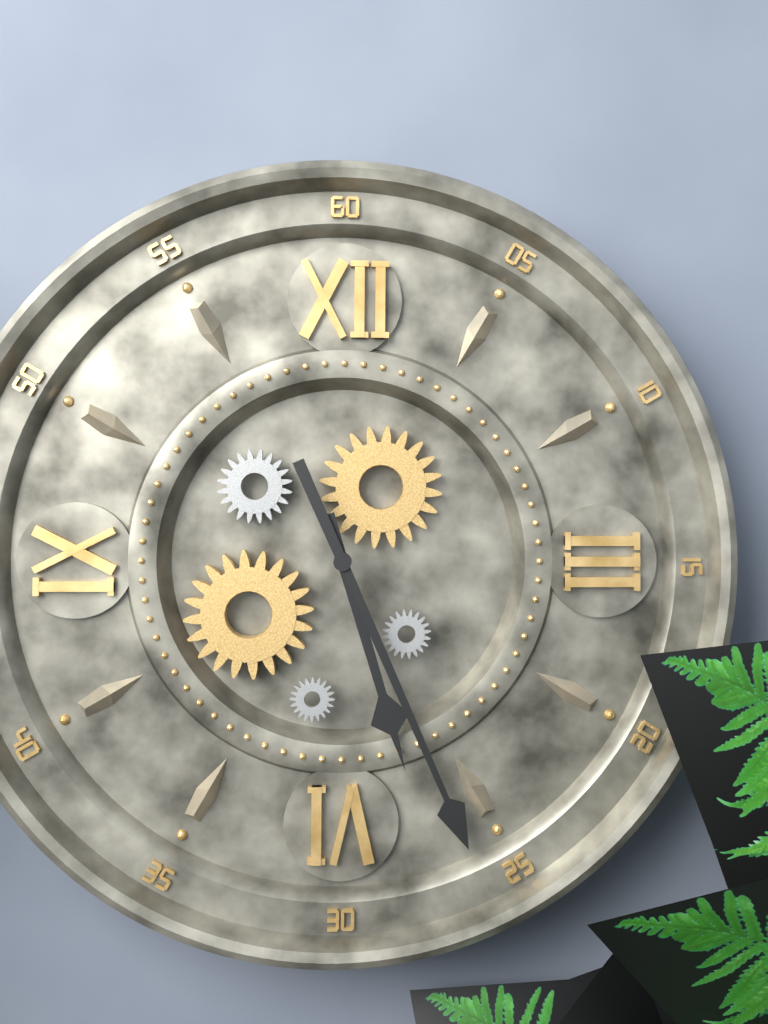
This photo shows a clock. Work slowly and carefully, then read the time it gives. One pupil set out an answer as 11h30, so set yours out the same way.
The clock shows 5h26
